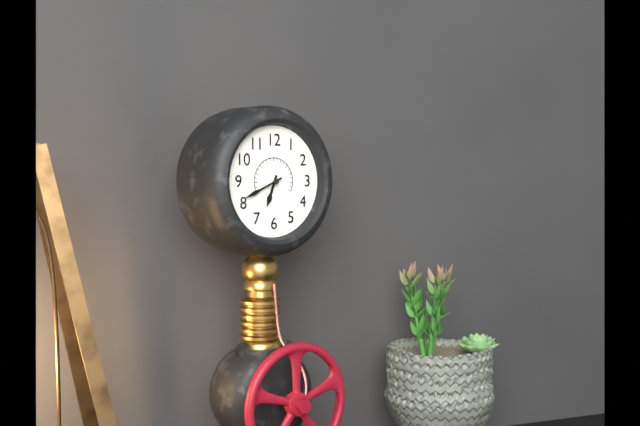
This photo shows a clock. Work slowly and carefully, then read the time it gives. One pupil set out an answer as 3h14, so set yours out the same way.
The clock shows 6h41
